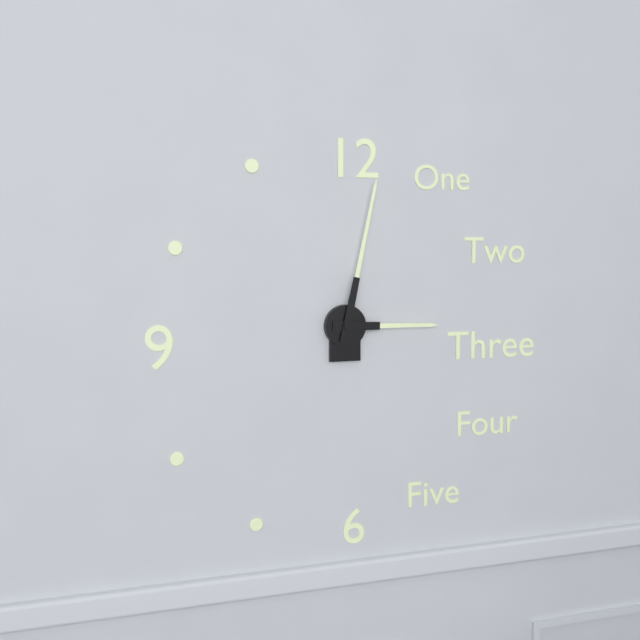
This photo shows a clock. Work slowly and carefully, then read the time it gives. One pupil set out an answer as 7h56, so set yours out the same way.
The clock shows 3h02
